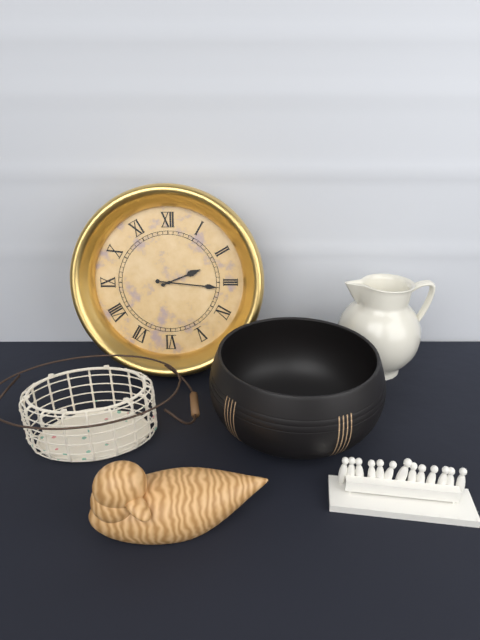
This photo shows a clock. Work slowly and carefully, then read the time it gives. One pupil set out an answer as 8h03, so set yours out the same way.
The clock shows 2h16
